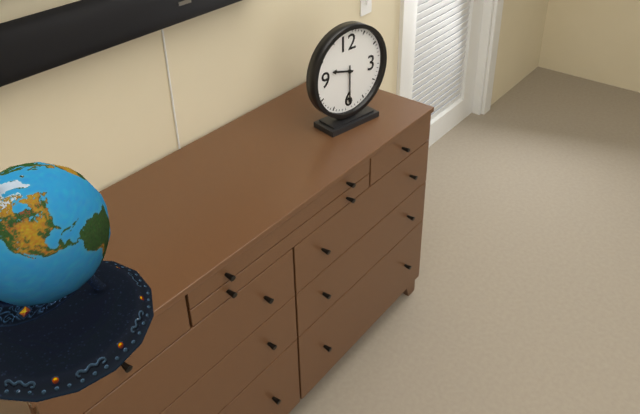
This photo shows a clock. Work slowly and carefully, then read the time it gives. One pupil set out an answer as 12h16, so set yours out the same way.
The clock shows 9h30
